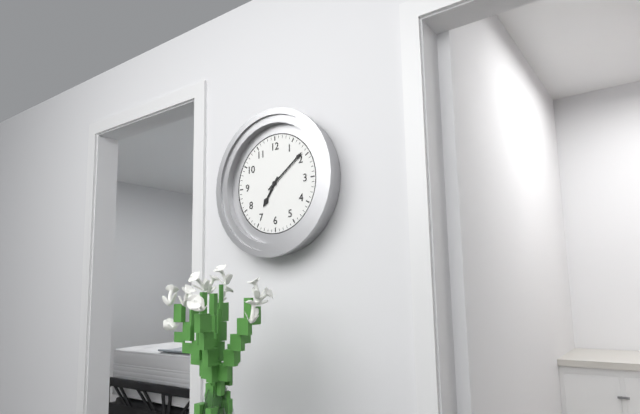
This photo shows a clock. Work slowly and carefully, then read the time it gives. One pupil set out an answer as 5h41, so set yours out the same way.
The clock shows 7h09
